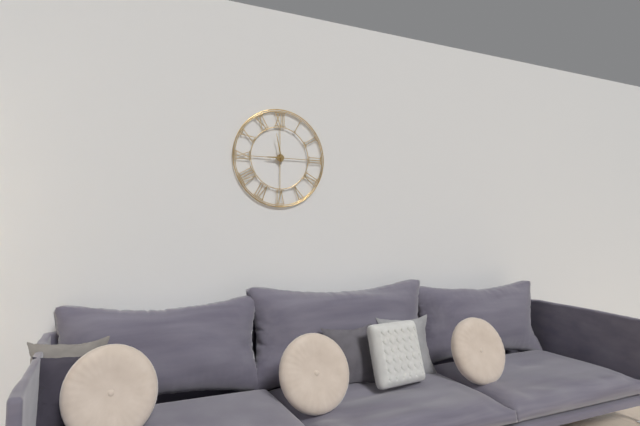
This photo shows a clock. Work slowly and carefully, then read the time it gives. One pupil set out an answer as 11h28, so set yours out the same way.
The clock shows 8h58
